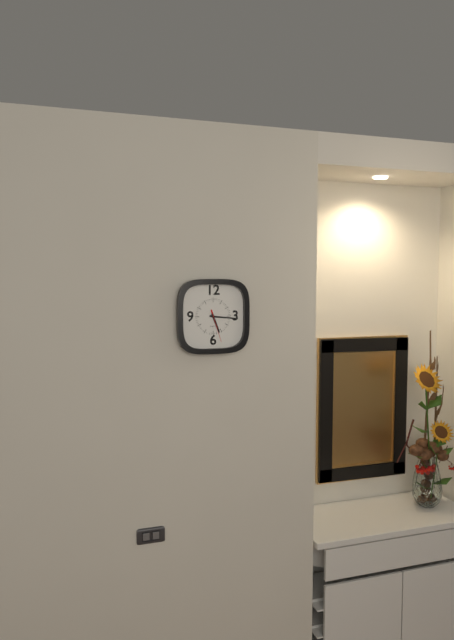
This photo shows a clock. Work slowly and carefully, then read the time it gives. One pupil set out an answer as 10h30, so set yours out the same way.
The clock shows 5h16
